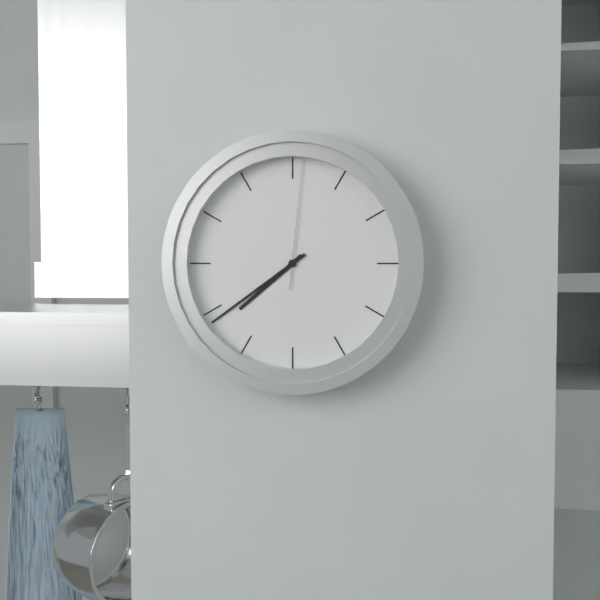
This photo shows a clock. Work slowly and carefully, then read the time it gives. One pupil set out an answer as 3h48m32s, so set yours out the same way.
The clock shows 7h39m01s
